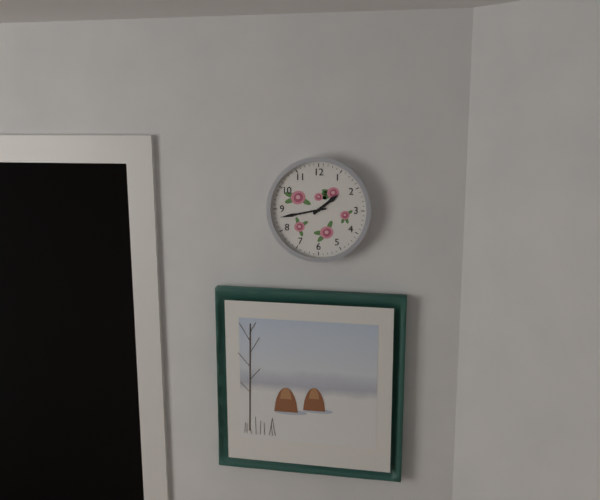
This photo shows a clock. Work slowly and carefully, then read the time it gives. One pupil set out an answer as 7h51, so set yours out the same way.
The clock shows 1h43
